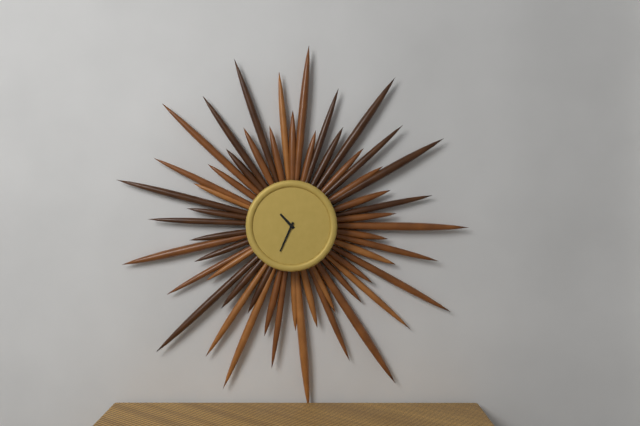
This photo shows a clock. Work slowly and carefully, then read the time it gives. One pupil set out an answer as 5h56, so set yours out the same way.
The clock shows 10h34
